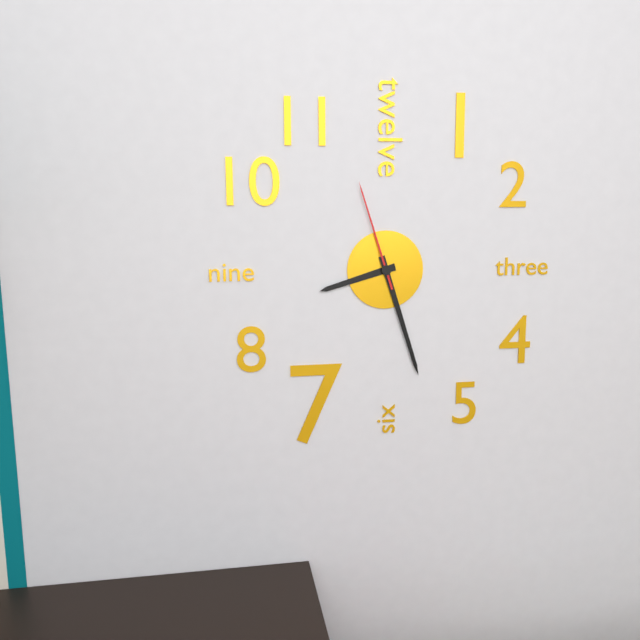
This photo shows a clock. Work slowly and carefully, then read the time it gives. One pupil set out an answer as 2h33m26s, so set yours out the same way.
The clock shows 8h27m57s
